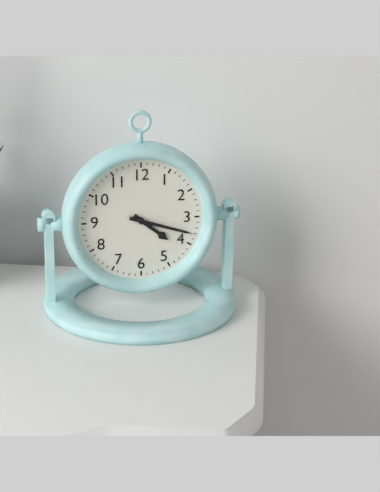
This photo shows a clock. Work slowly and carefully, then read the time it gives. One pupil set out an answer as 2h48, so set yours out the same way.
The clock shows 4h18
